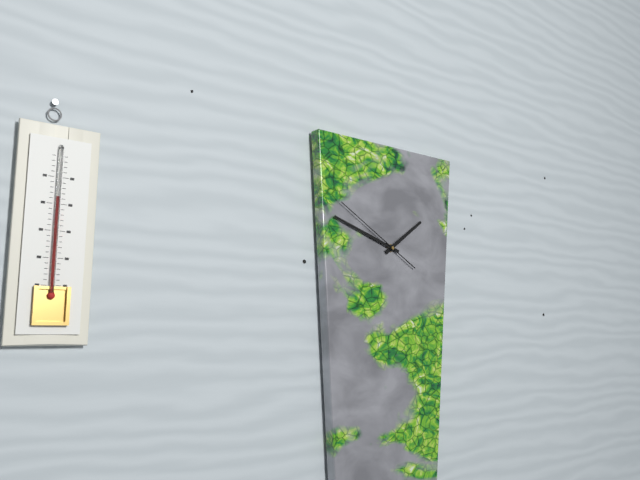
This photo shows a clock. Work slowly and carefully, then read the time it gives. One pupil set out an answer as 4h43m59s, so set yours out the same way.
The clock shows 1h48m50s
